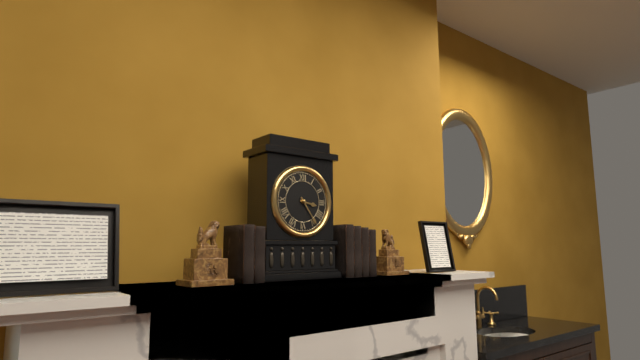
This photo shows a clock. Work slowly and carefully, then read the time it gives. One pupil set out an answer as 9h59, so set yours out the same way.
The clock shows 3h24
